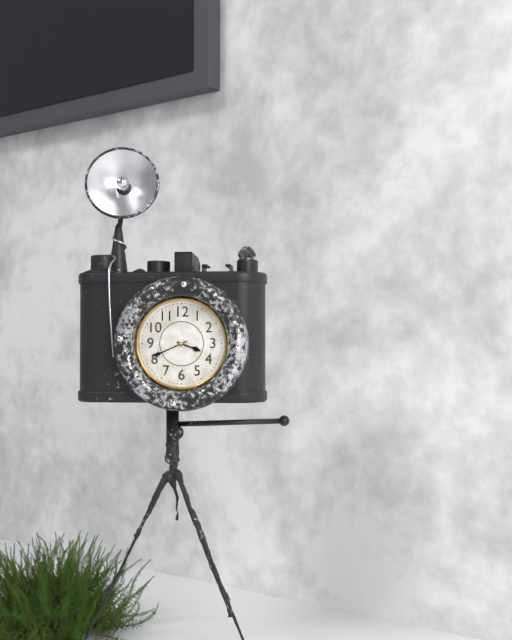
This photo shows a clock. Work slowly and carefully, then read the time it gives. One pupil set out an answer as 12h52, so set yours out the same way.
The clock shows 3h41
